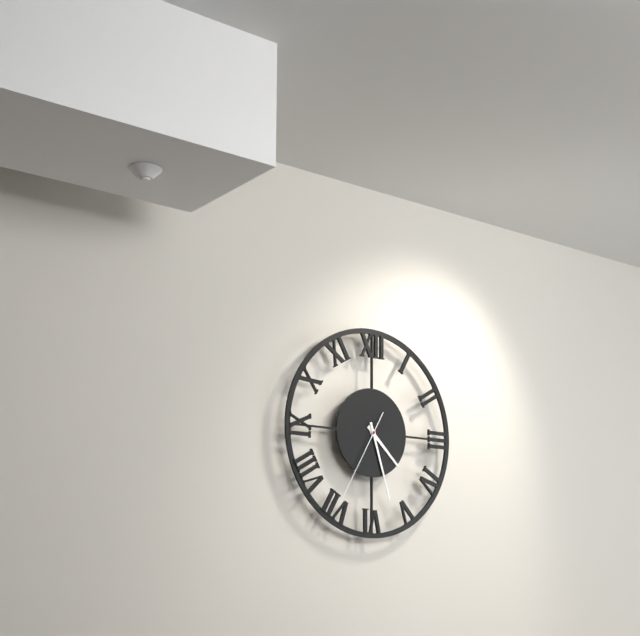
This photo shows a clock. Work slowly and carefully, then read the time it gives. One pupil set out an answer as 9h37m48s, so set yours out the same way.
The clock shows 4h27m35s
